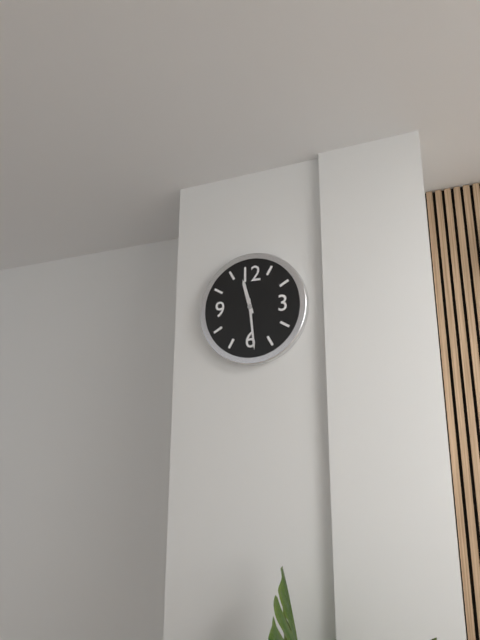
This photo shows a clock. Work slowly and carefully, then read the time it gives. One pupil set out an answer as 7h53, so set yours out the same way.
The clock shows 11h29
